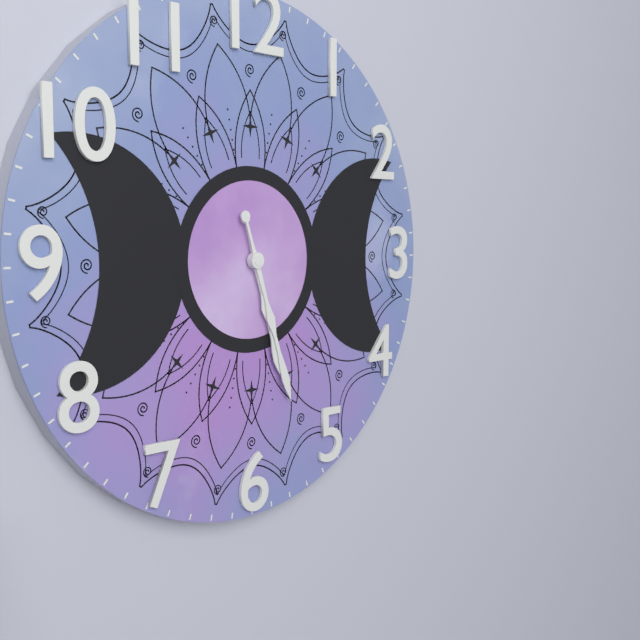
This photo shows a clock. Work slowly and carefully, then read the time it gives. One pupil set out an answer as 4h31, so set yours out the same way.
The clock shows 5h27
